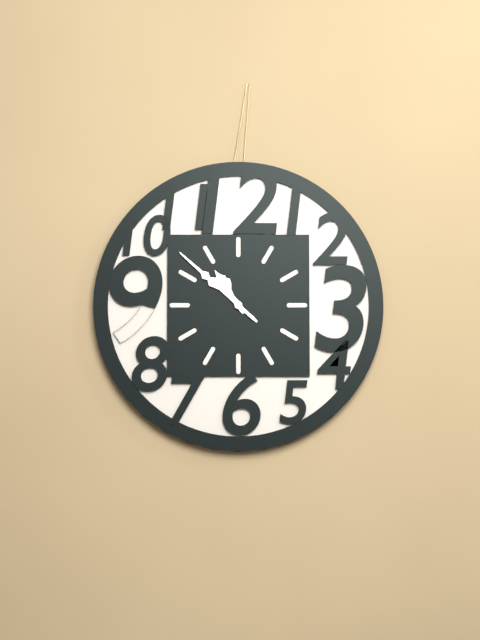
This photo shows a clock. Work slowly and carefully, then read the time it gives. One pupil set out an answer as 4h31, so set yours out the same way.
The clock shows 10h52
